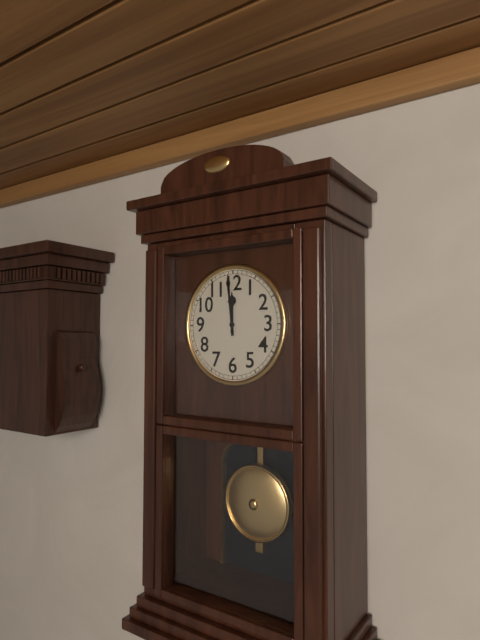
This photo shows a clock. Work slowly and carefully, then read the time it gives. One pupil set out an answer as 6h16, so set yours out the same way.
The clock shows 11h59
